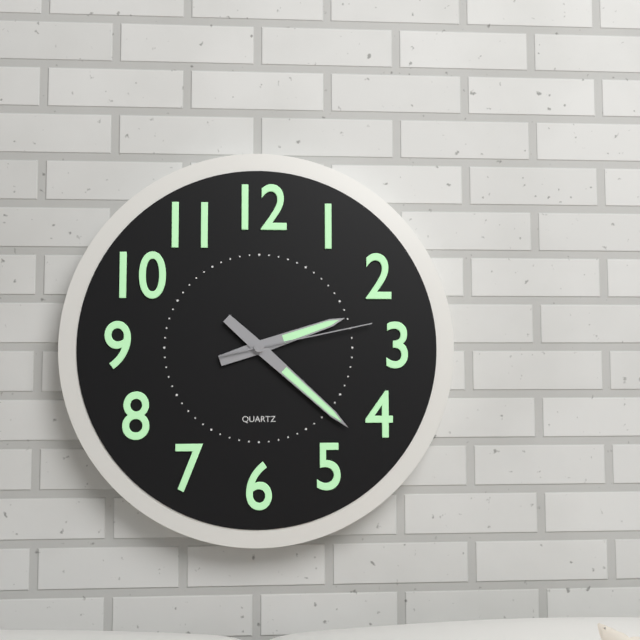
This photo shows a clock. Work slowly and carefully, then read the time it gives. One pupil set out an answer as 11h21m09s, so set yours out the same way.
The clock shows 2h22m13s
